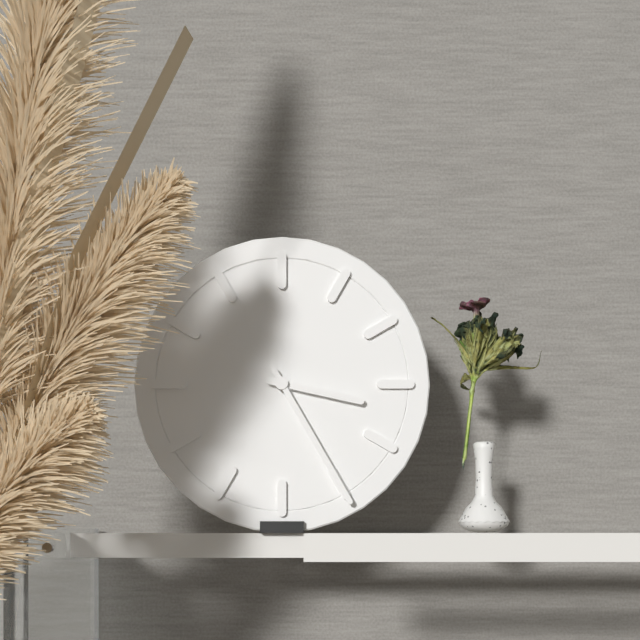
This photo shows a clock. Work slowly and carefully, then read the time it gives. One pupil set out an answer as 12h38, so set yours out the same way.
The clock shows 3h25
